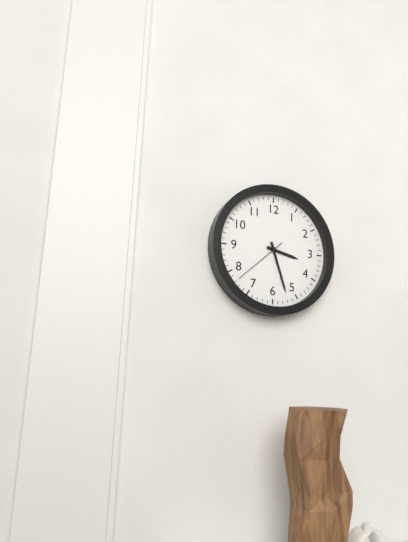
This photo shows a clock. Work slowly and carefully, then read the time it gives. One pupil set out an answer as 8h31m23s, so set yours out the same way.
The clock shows 3h27m38s
